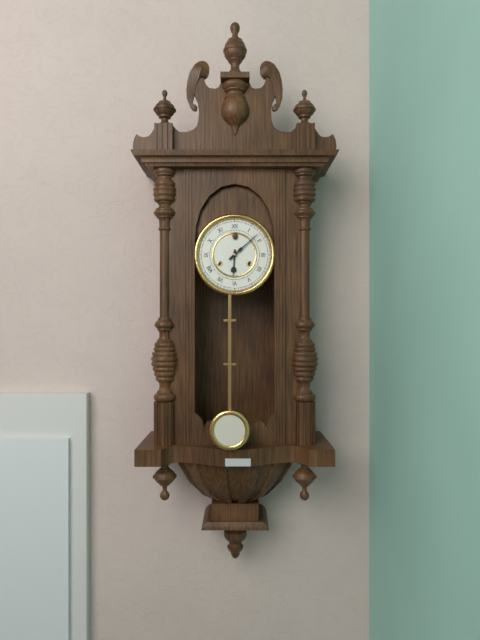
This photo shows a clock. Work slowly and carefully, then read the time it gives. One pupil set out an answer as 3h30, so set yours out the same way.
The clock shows 6h08
